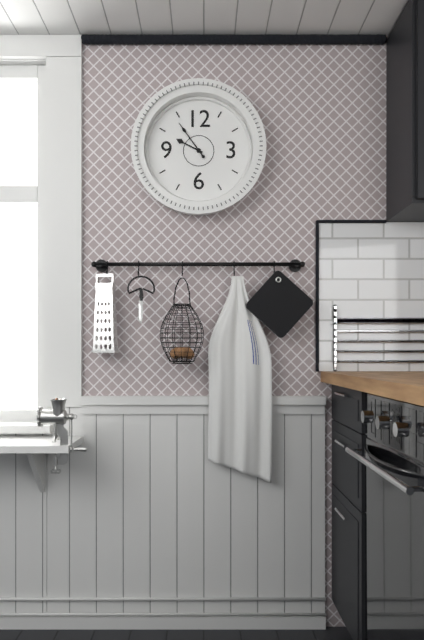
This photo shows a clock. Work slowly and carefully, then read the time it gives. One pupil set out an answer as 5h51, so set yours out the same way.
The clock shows 9h54
